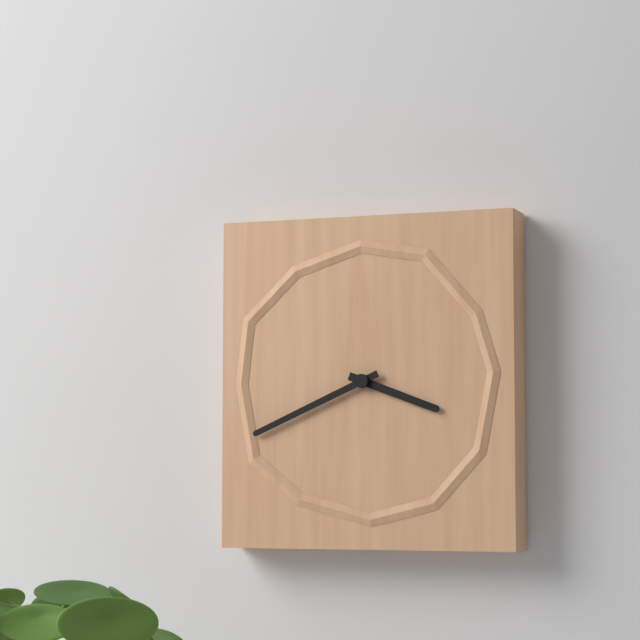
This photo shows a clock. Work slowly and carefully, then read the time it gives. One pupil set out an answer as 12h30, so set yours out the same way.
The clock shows 3h41
